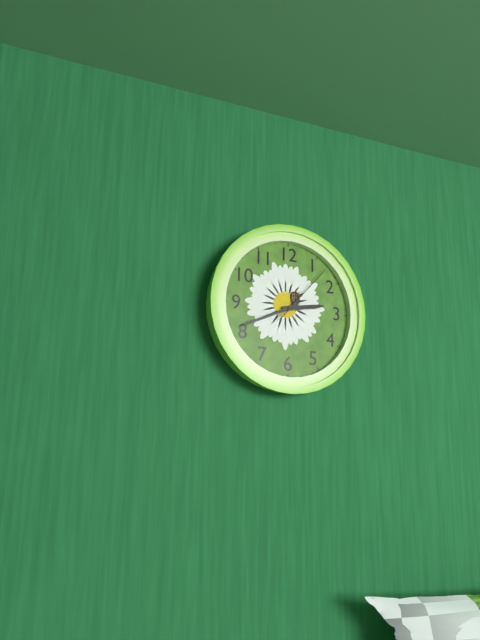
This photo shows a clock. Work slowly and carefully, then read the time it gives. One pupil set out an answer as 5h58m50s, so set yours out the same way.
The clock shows 2h41m07s
